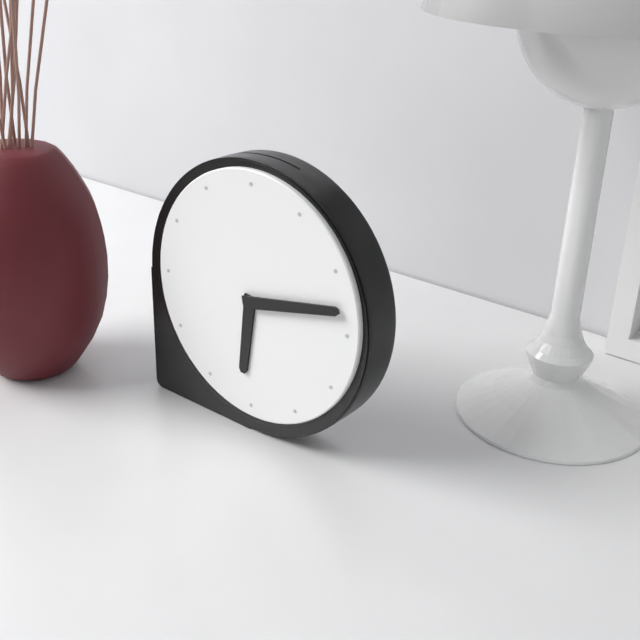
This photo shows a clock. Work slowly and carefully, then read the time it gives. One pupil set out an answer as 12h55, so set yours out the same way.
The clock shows 6h13
